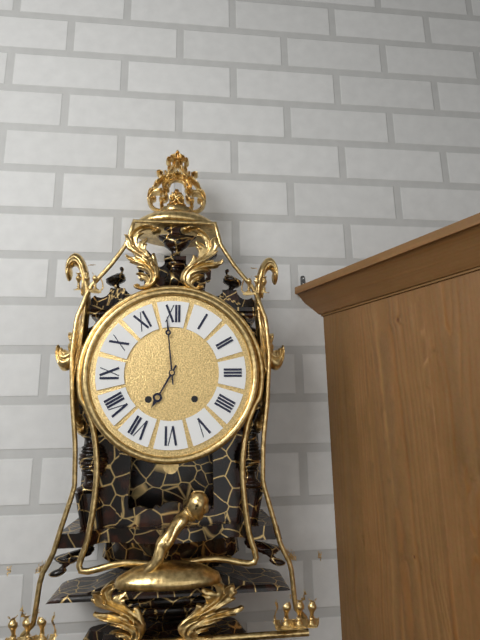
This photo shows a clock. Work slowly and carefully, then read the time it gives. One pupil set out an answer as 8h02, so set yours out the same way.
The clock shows 6h59
